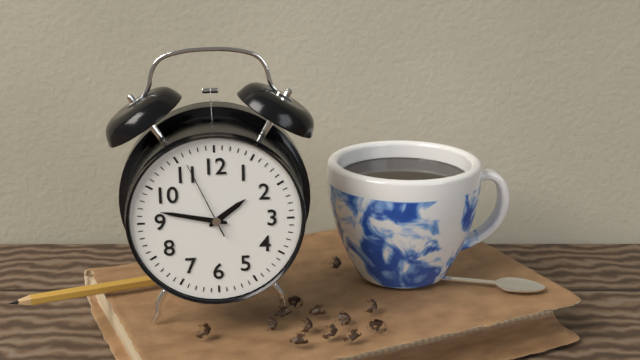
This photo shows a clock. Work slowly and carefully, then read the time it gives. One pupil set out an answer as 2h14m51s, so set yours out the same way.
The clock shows 1h47m56s
